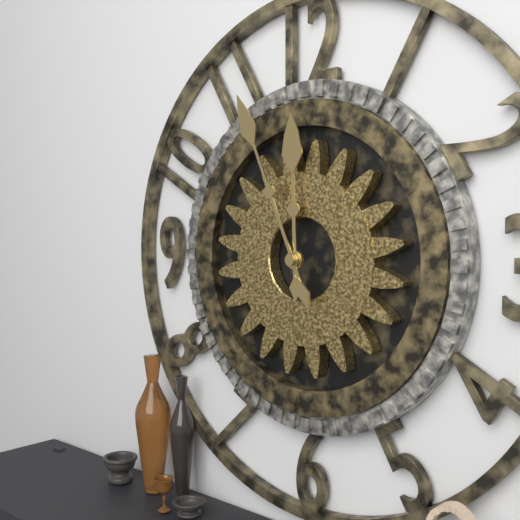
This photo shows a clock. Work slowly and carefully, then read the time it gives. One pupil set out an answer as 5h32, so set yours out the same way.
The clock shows 11h56
